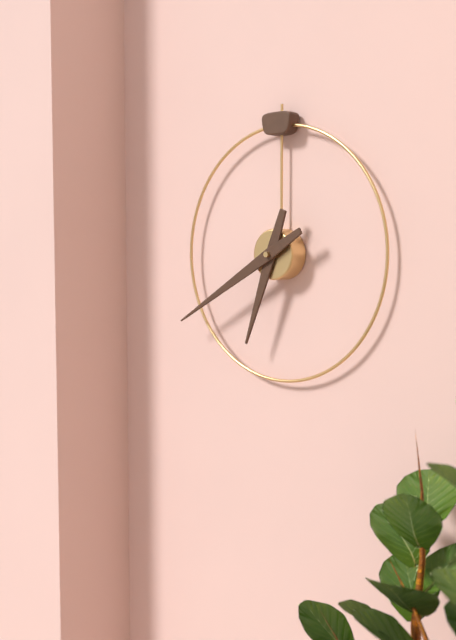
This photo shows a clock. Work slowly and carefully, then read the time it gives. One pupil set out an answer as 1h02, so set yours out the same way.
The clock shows 6h40
